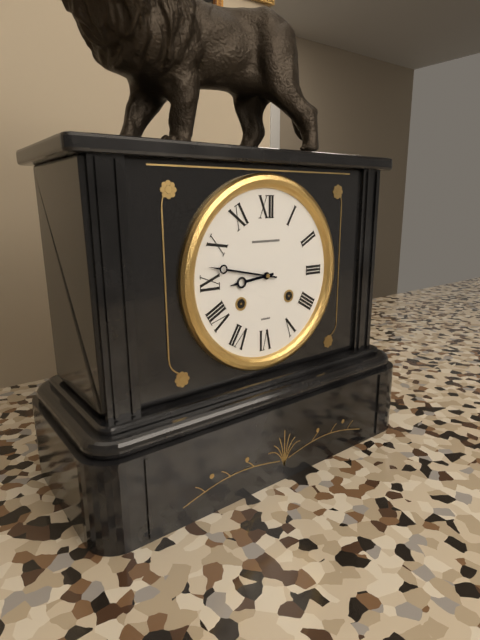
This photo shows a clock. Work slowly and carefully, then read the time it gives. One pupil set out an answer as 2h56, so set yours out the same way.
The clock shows 8h47
